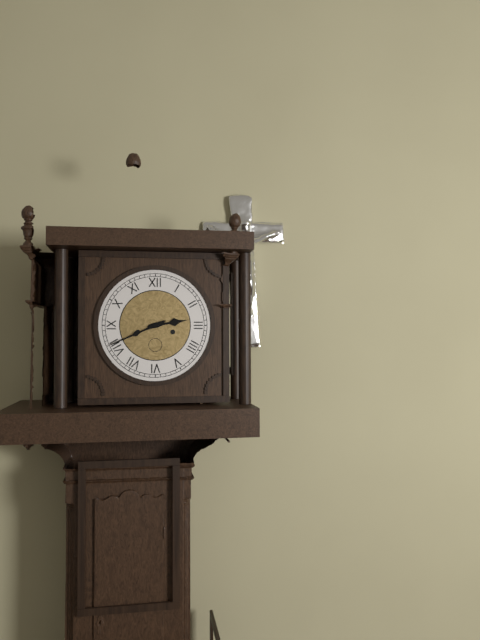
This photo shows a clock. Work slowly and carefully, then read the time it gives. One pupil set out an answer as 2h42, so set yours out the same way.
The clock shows 2h41
